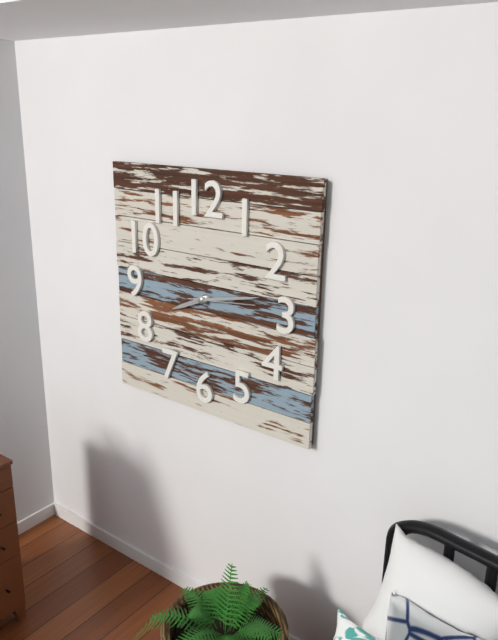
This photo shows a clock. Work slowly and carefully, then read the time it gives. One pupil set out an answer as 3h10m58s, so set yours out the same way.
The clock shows 8h13m14s
